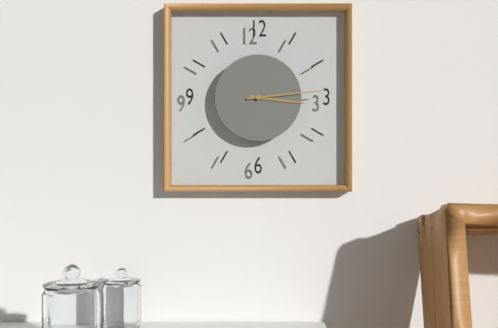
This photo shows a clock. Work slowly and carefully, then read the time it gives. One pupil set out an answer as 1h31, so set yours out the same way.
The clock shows 3h14
